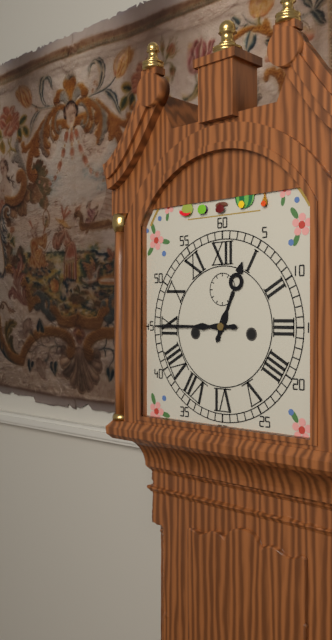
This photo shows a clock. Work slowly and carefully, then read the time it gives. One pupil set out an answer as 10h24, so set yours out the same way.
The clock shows 12h45
